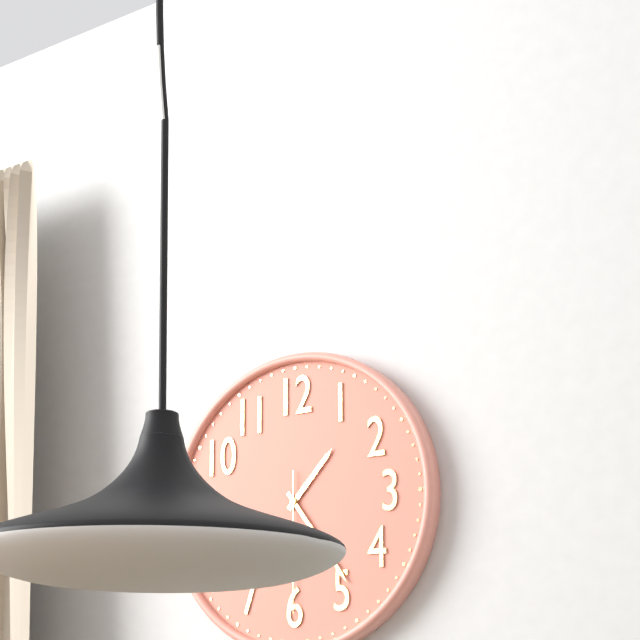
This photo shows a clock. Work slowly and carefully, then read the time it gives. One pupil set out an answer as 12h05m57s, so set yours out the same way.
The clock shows 1h24m30s
